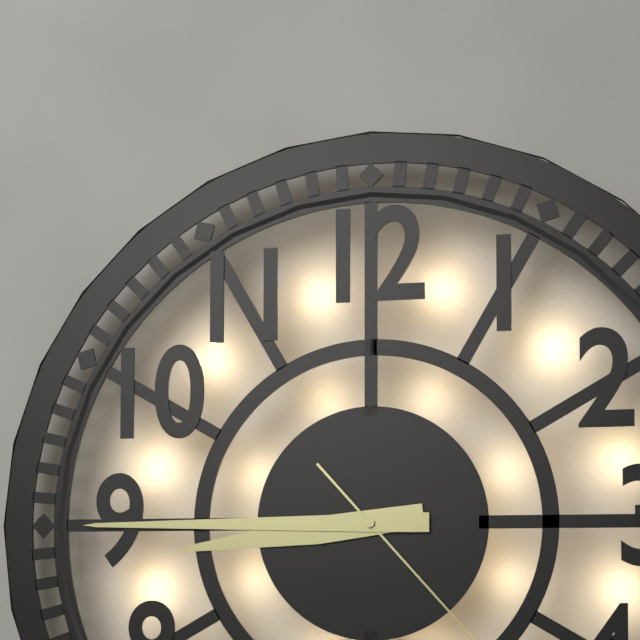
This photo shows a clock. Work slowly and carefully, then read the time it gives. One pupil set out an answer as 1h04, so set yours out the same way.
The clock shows 8h45
